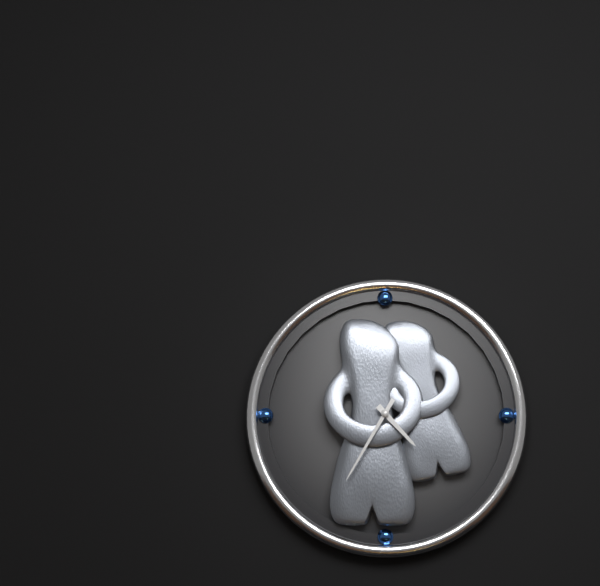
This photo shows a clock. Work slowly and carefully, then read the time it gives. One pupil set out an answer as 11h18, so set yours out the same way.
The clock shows 4h35
